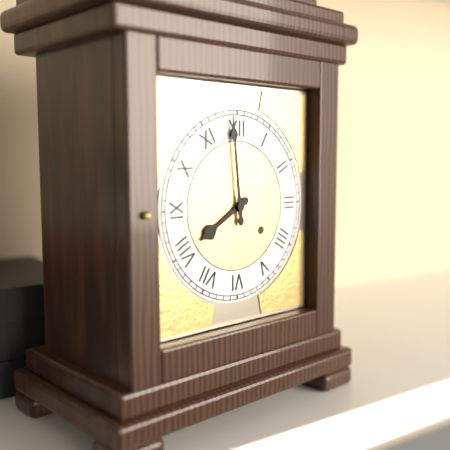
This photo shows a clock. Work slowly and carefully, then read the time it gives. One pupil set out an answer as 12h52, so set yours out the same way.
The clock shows 7h59
